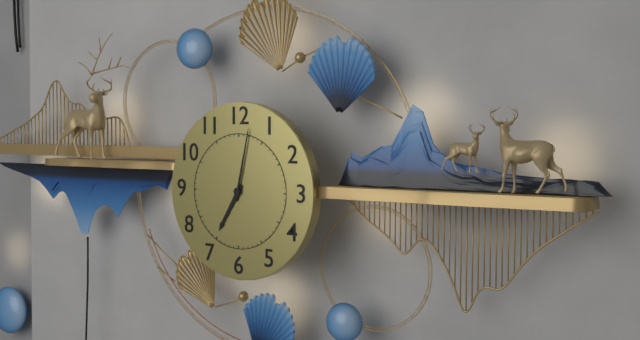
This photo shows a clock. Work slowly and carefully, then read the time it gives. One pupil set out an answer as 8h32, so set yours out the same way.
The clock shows 7h02
